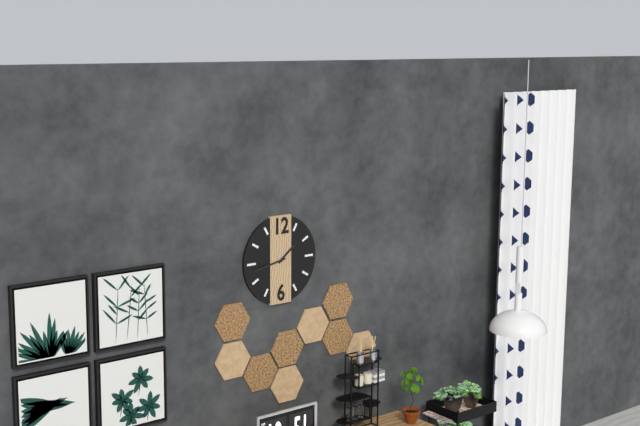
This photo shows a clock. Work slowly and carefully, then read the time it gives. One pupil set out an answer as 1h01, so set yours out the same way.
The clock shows 1h43
